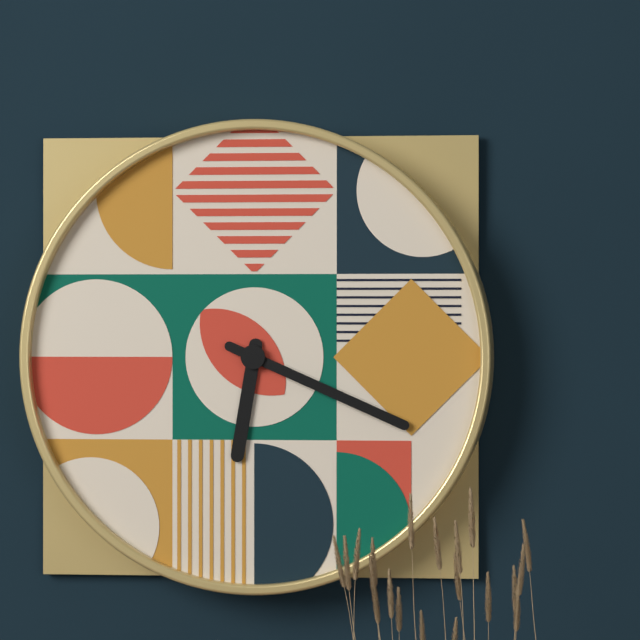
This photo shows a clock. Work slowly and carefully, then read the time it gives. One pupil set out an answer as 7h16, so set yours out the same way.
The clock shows 6h19
